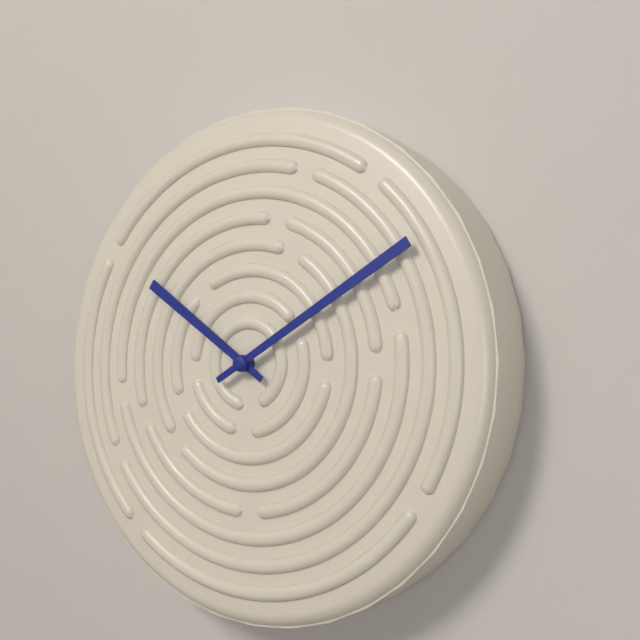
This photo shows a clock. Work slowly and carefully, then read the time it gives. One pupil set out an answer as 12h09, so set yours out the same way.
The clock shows 10h10
